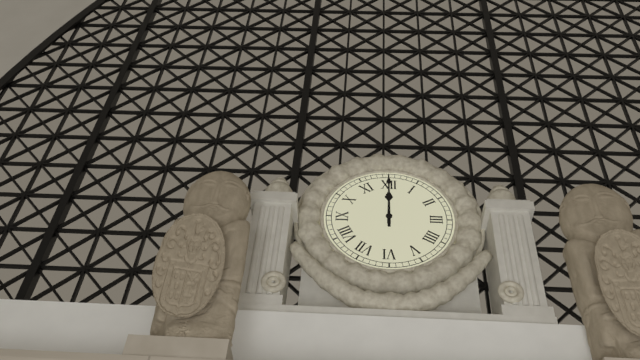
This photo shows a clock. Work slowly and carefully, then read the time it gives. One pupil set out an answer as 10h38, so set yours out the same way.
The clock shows 12h00
